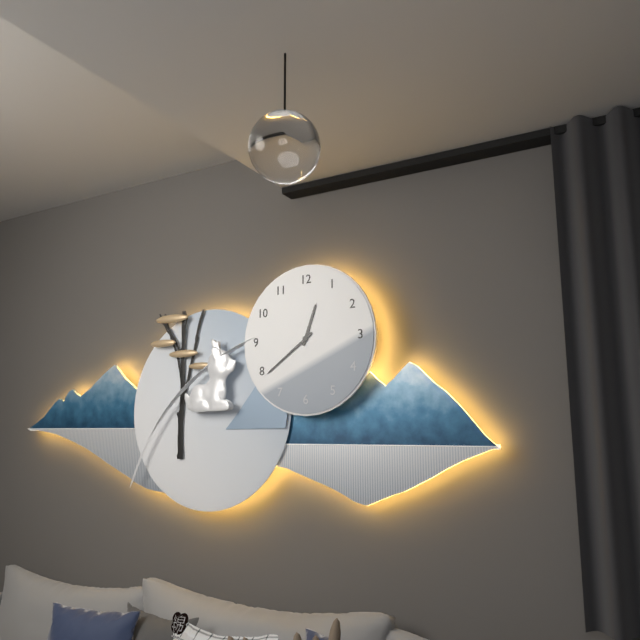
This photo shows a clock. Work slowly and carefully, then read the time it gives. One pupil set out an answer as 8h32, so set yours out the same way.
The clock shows 12h39
